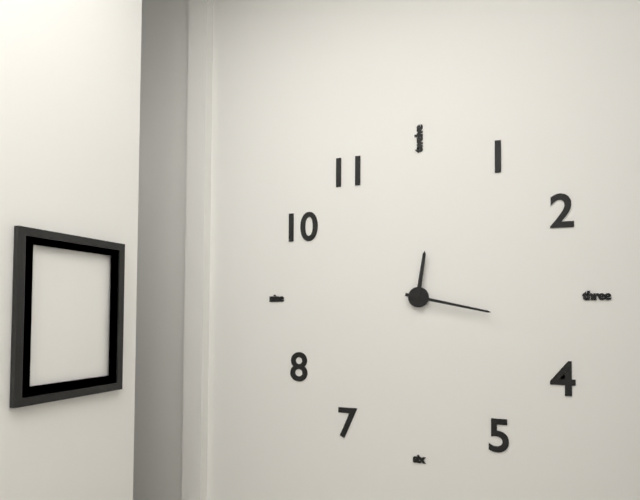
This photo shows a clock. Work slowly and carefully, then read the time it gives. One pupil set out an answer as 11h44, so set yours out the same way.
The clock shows 12h17
